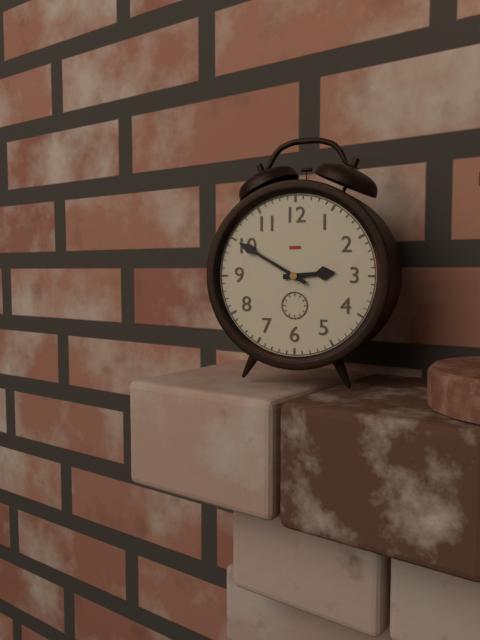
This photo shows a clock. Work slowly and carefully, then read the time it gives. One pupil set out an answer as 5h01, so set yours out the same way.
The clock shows 2h50
